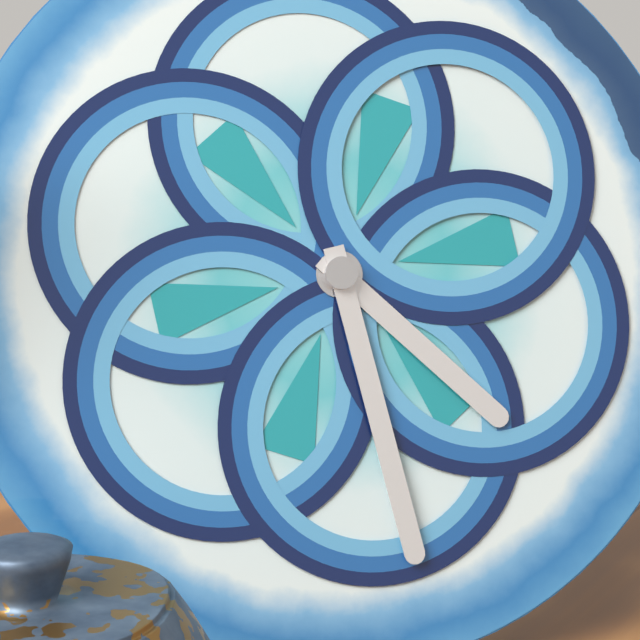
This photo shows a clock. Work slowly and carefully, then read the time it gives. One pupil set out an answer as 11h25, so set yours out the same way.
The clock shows 4h28
